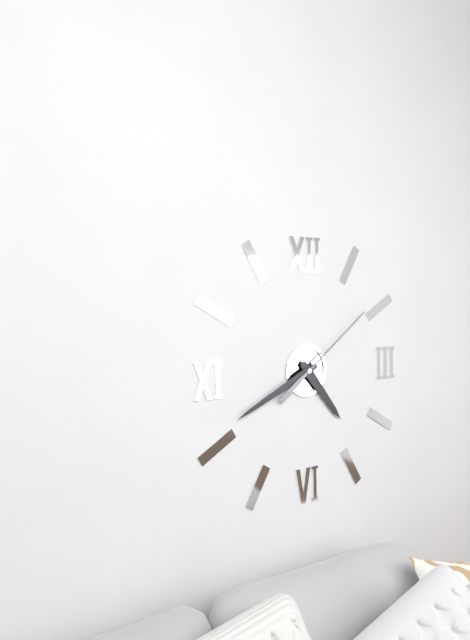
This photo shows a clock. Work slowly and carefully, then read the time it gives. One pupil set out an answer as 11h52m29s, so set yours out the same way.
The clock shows 4h41m09s
